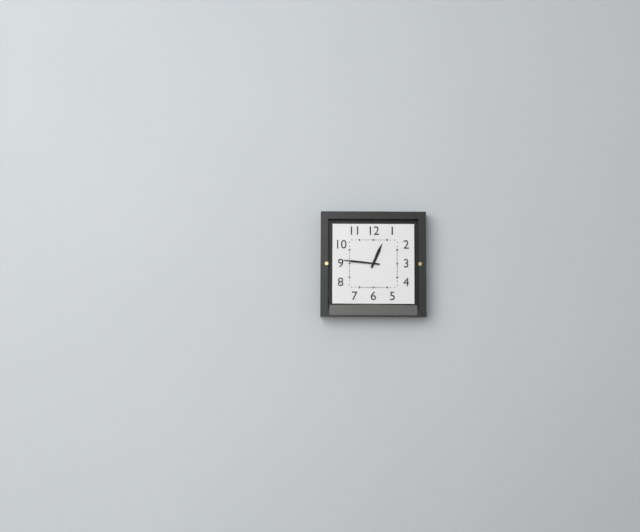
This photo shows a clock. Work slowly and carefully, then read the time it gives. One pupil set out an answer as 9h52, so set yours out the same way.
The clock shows 12h46
